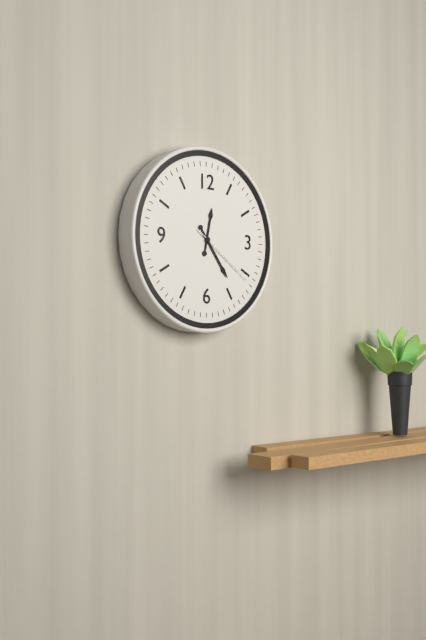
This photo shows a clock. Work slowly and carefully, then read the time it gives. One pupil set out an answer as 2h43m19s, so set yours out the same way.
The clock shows 12h24m21s
